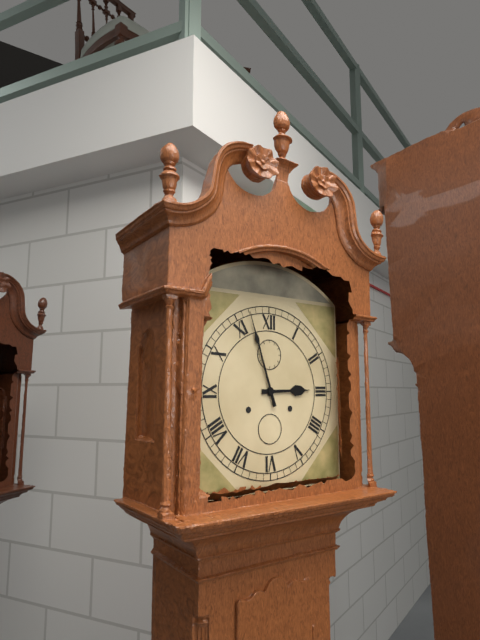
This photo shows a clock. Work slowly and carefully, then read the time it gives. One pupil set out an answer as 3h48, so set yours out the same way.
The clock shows 2h57
